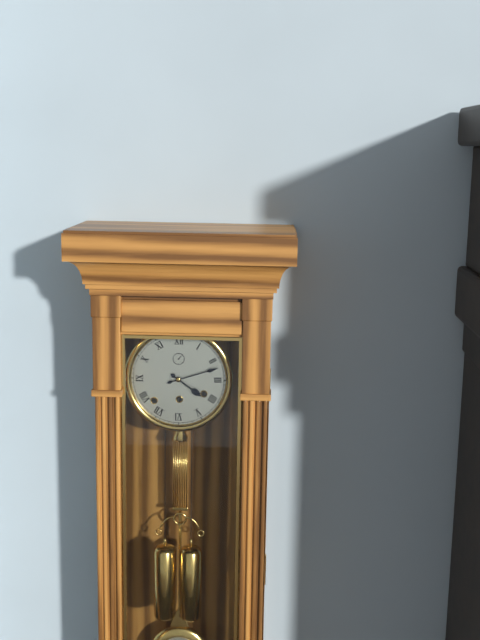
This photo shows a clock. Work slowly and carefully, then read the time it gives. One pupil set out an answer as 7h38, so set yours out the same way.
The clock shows 4h12
